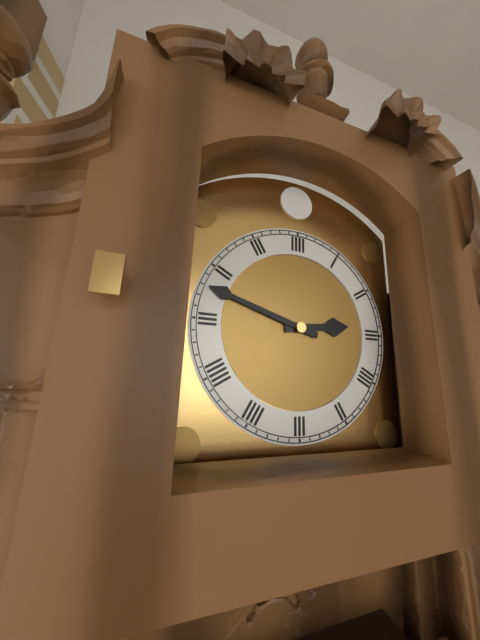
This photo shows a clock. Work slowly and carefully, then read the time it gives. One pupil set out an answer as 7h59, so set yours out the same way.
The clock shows 2h48
